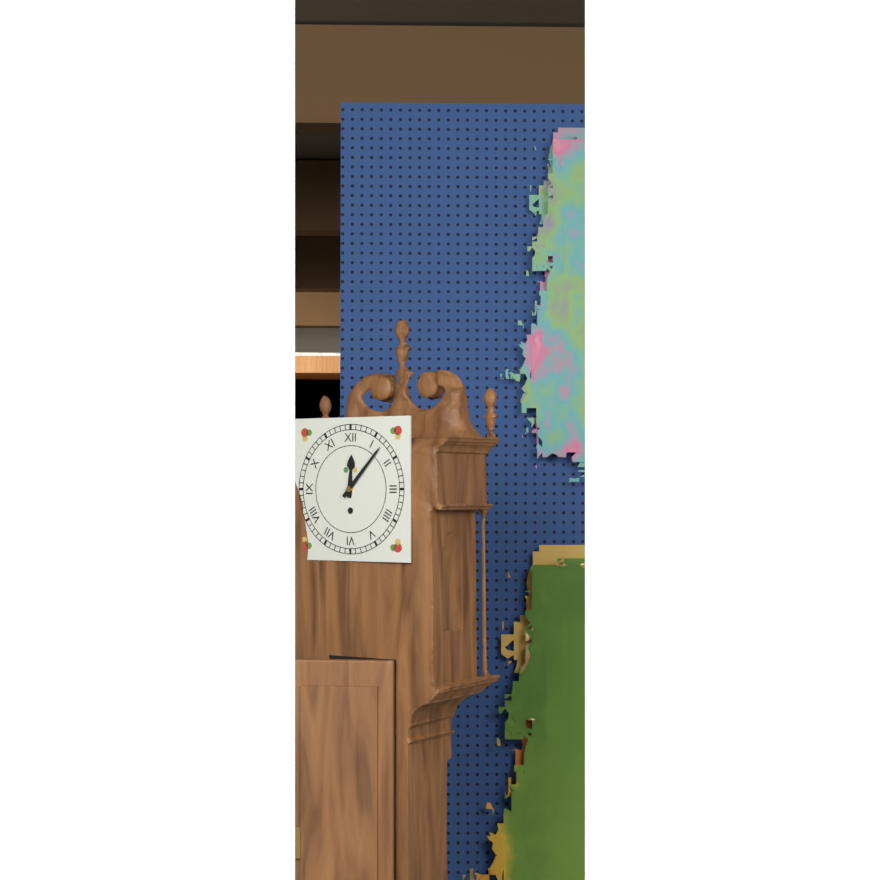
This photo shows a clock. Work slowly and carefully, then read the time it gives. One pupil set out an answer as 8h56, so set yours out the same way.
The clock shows 12h07
